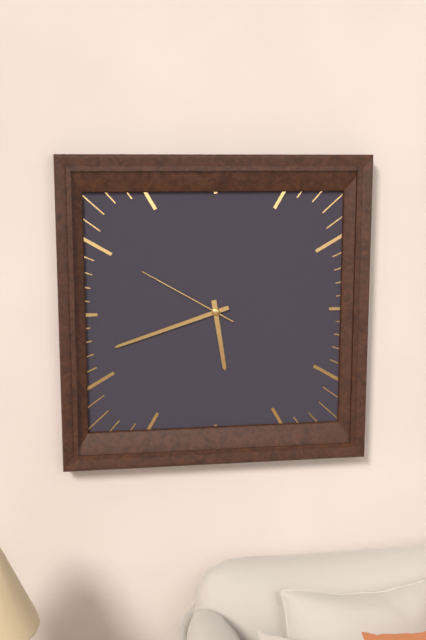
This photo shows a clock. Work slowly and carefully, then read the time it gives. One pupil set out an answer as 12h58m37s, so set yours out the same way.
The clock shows 5h42m50s
